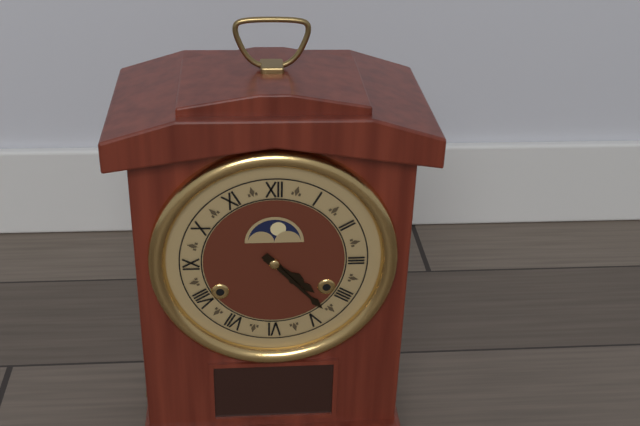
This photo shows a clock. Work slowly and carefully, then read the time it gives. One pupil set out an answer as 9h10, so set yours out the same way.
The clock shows 4h23
